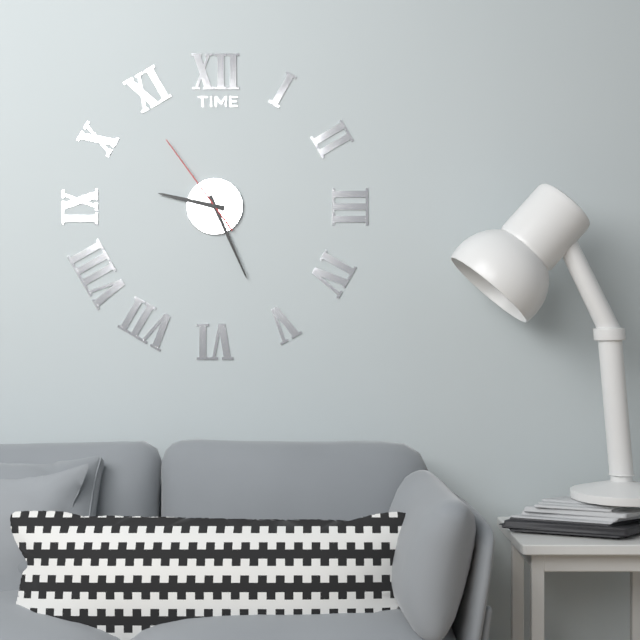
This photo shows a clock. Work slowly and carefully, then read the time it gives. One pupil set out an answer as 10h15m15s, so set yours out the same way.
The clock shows 9h26m54s
